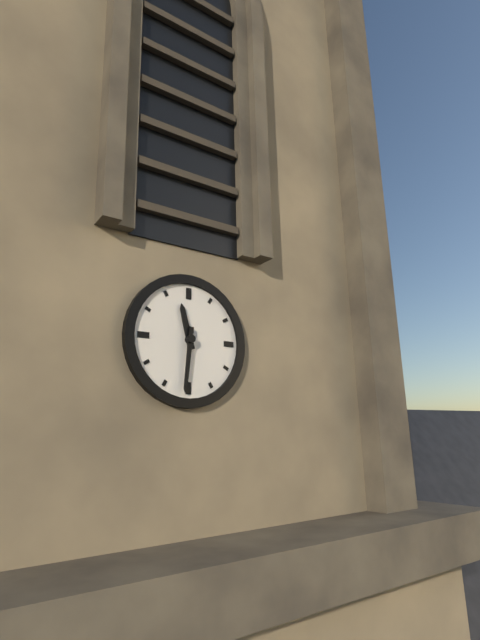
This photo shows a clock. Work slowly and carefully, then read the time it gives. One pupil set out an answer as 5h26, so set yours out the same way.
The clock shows 11h31
